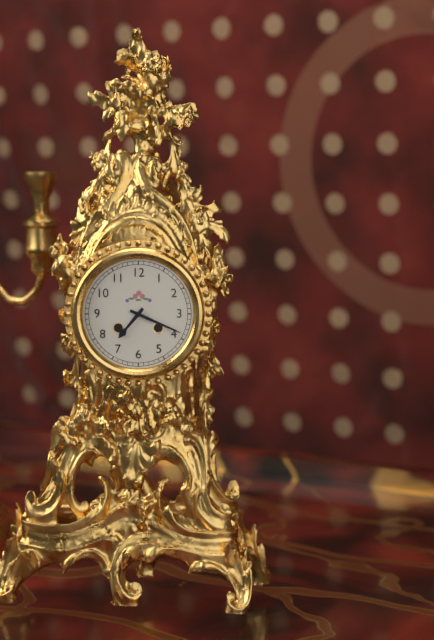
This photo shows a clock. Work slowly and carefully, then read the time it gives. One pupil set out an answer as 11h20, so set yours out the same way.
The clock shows 7h19
